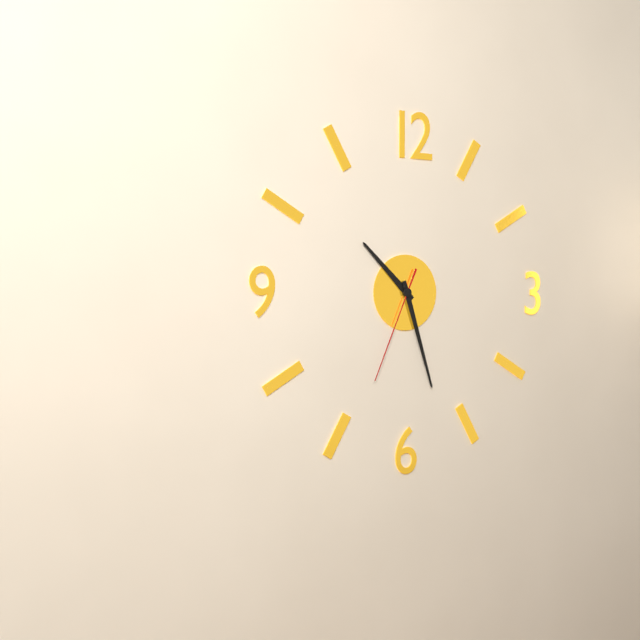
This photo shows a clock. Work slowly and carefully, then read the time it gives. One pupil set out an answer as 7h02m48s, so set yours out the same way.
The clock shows 10h27m34s
